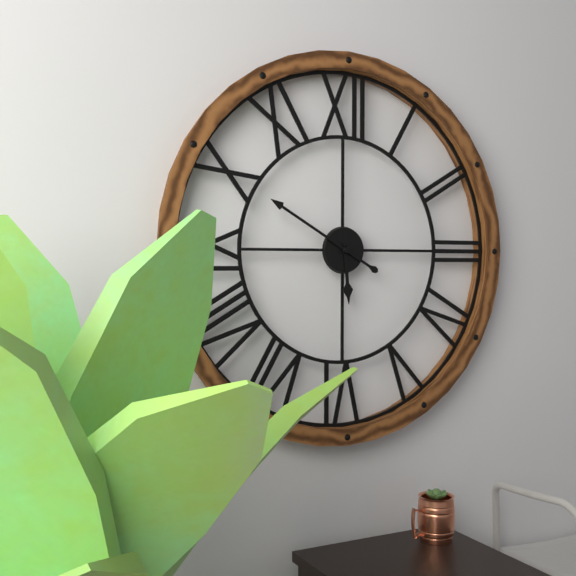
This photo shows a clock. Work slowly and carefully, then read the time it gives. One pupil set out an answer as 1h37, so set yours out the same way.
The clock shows 5h50
